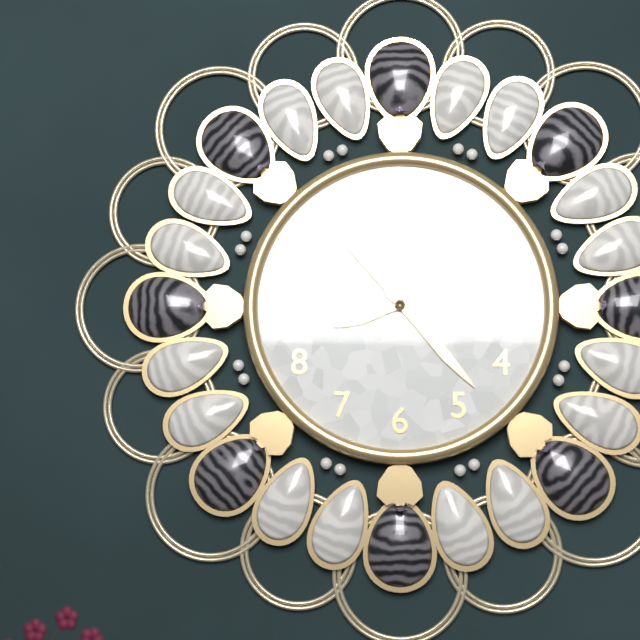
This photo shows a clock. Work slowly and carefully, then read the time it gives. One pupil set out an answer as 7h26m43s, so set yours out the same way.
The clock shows 8h23m53s
